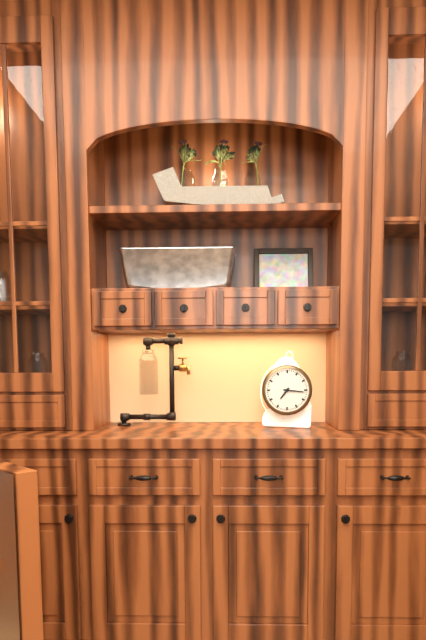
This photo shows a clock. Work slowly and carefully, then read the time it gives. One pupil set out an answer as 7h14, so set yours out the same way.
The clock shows 7h16
